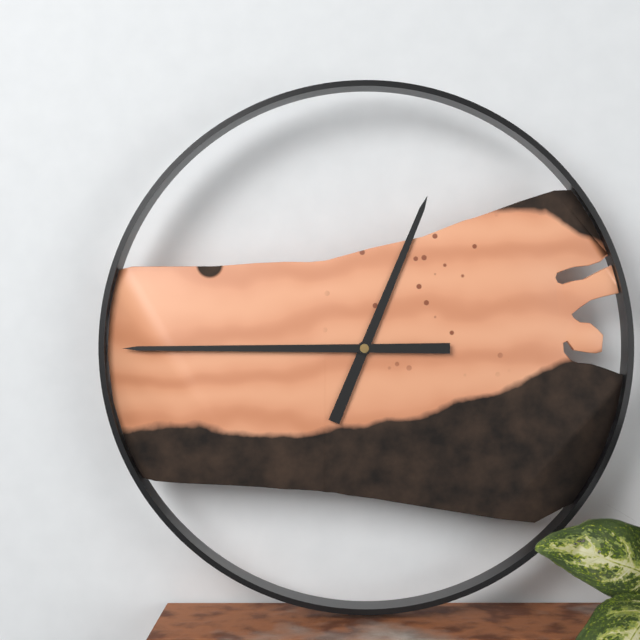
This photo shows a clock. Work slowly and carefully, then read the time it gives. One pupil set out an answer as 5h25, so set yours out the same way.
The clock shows 12h45
